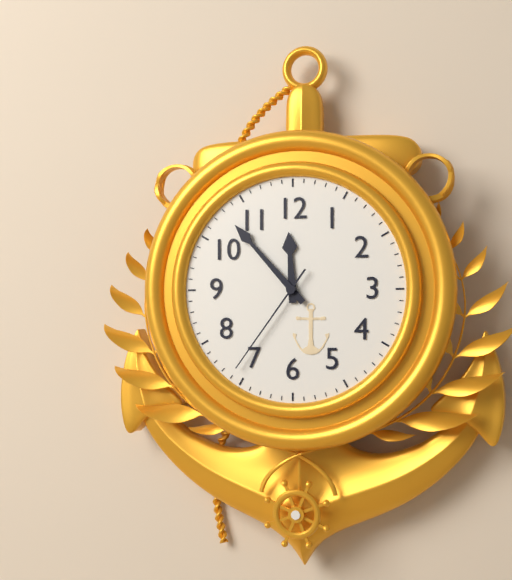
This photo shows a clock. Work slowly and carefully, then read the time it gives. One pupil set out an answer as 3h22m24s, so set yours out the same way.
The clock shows 11h53m36s
